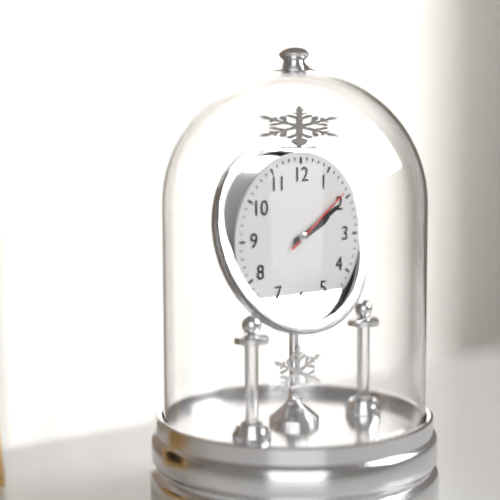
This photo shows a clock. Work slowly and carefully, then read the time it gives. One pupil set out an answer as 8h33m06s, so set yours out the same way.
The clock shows 2h10m09s
